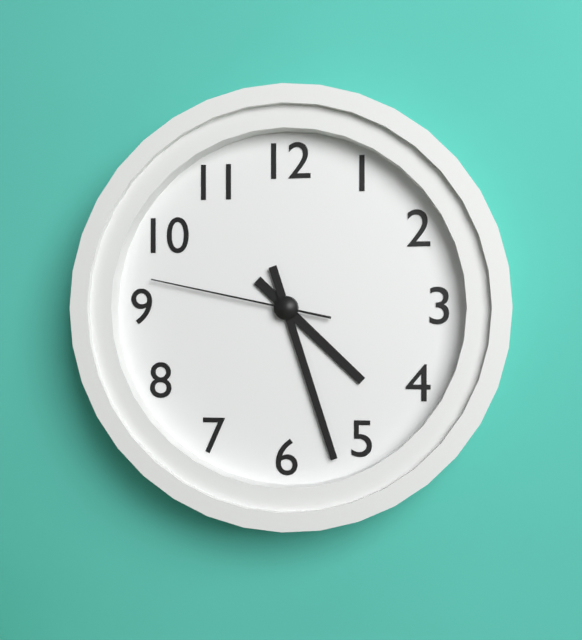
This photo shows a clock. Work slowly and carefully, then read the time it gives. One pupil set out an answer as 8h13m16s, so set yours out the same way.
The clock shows 4h27m47s
